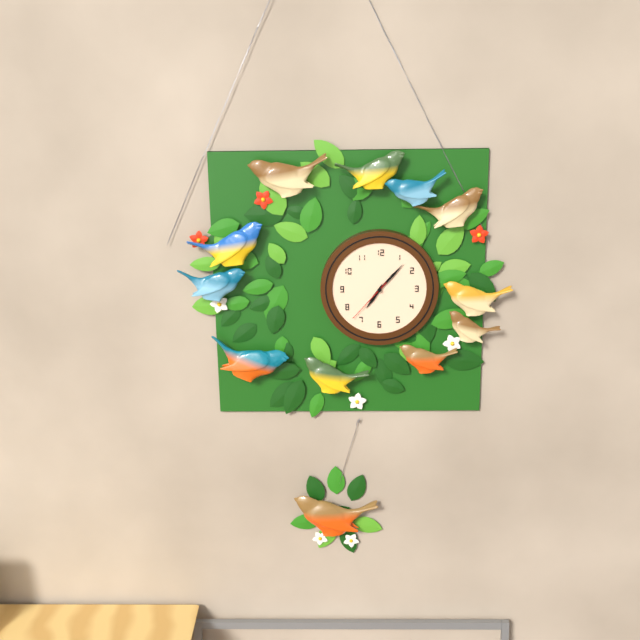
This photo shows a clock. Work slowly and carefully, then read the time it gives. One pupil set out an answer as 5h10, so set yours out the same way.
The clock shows 7h07
